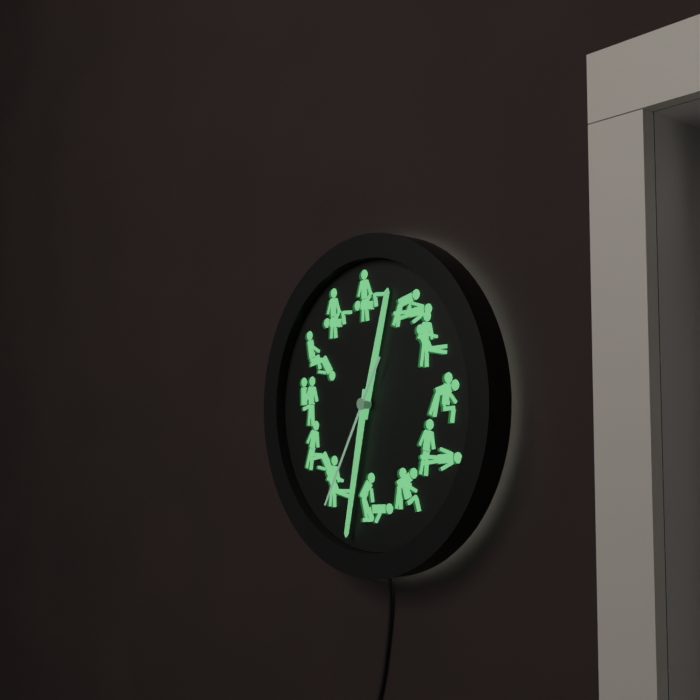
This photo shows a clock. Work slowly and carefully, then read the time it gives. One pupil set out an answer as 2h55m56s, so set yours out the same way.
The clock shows 12h32m35s
